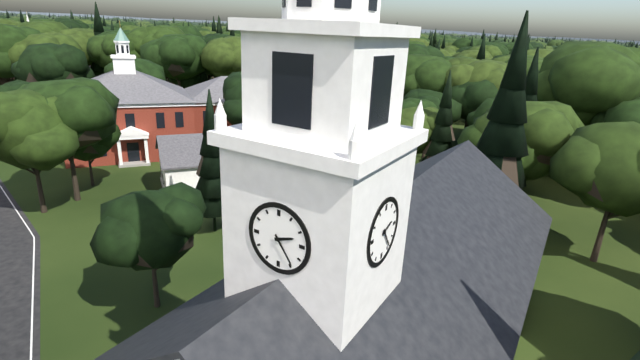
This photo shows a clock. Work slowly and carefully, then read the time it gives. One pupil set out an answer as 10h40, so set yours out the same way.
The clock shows 2h24
